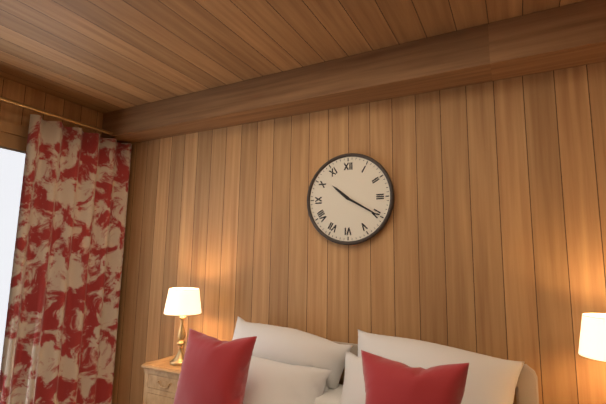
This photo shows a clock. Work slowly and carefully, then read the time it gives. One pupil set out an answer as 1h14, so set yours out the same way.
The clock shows 10h20
